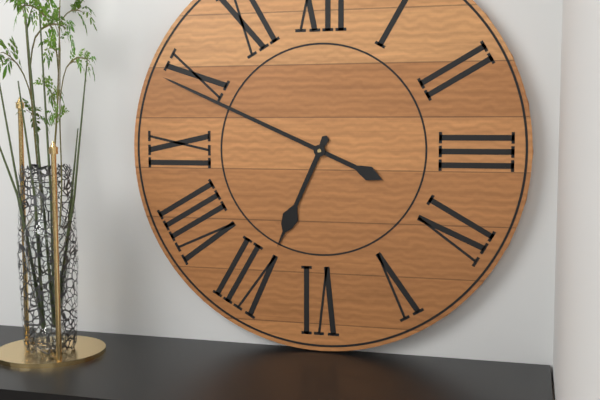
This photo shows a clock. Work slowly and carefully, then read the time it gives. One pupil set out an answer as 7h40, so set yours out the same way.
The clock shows 6h49
